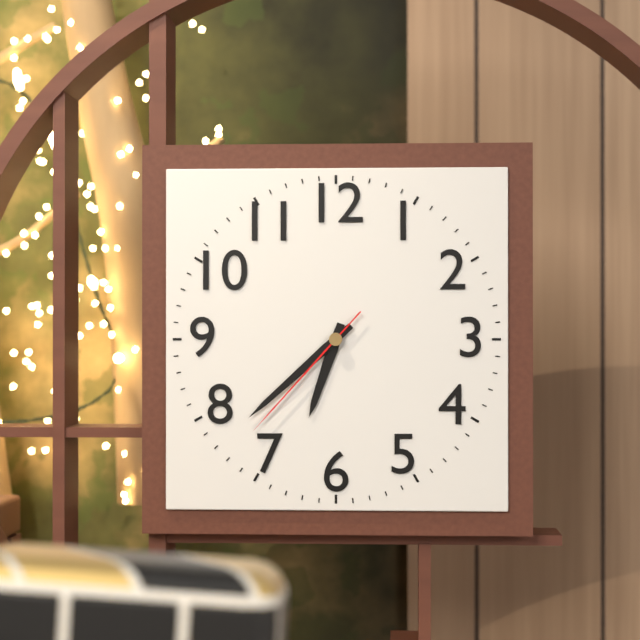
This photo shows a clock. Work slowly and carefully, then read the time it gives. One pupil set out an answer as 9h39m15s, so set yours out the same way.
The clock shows 6h38m37s
